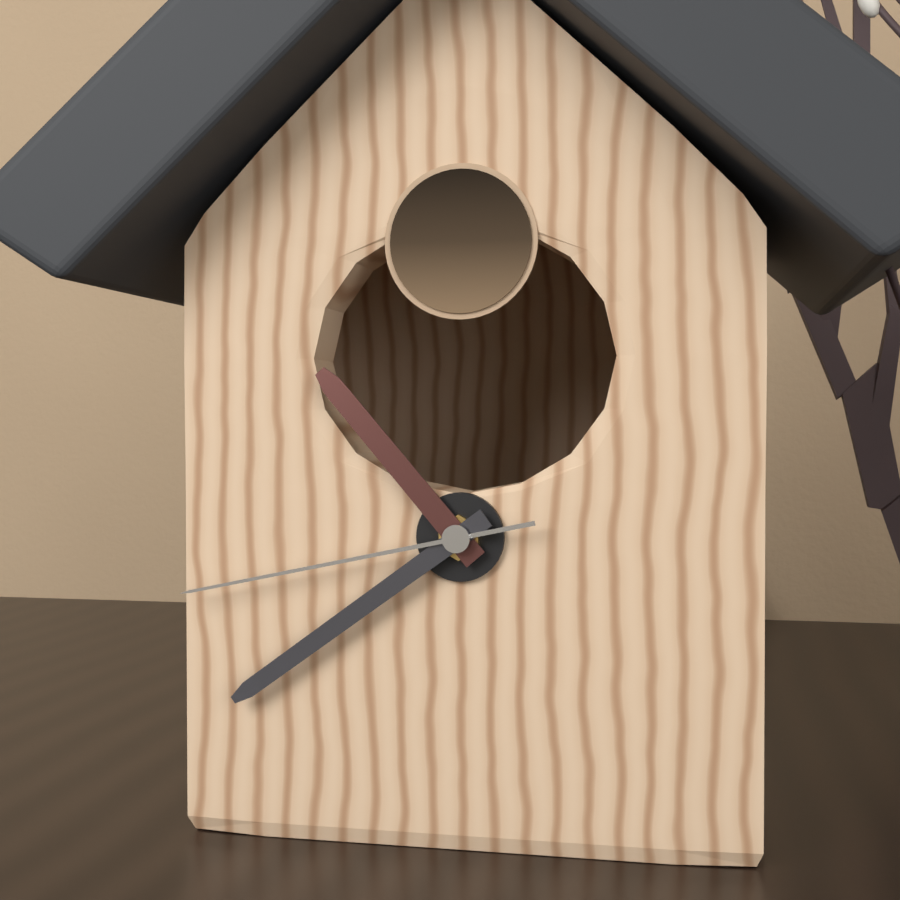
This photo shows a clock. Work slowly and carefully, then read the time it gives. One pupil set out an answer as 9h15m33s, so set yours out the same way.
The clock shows 10h39m43s
